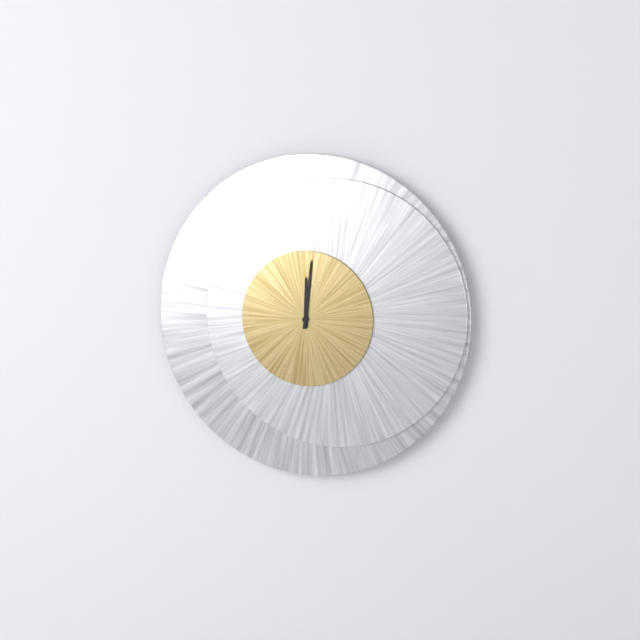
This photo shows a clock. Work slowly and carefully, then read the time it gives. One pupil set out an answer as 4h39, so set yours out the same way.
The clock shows 12h01
